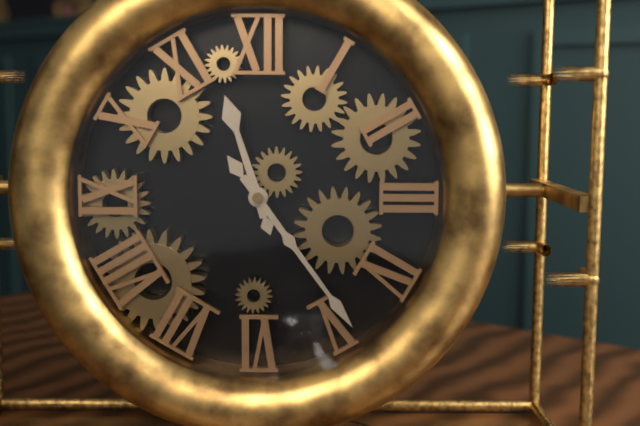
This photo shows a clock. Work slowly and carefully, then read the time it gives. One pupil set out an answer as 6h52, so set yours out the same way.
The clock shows 11h24
